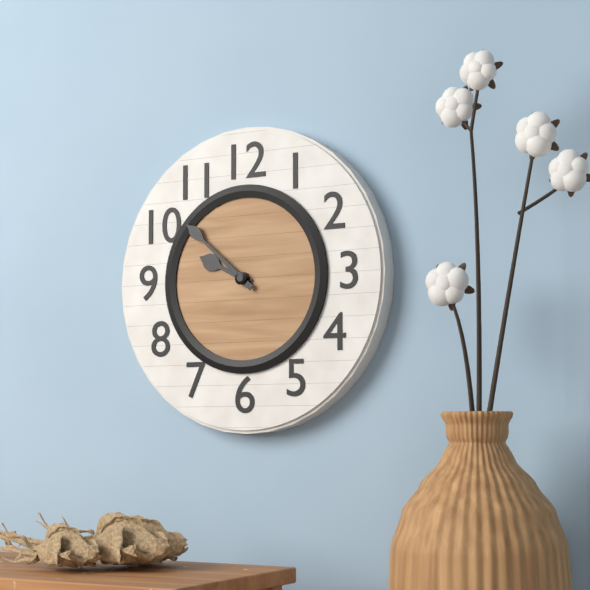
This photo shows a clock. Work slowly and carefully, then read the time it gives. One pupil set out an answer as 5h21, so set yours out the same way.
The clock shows 9h52
